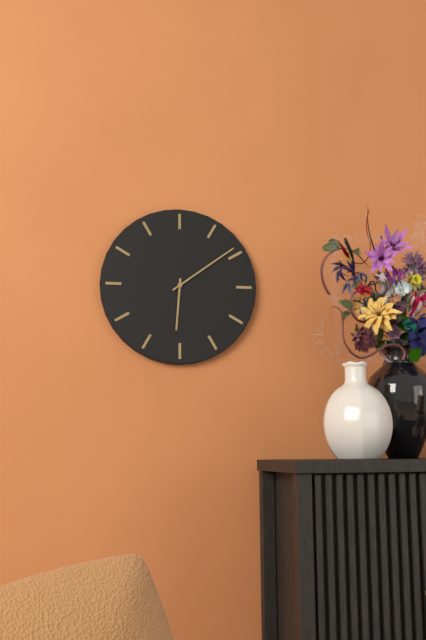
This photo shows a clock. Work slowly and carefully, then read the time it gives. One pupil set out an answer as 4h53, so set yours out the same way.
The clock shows 6h09
